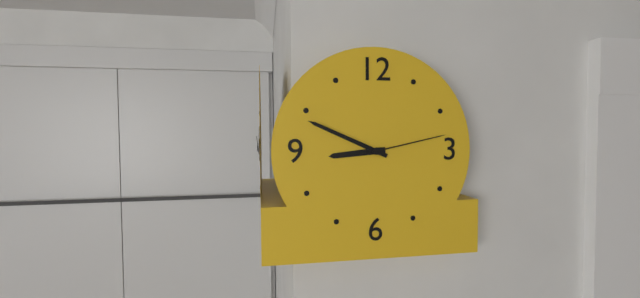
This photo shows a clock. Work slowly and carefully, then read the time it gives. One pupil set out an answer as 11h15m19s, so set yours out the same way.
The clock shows 8h49m13s
